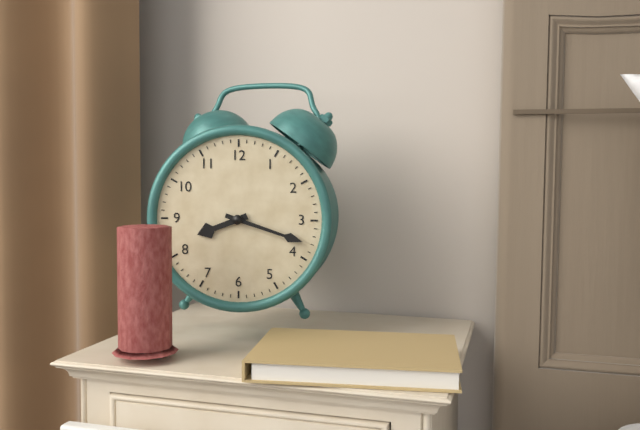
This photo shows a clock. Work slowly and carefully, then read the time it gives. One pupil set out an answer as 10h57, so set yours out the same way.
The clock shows 8h18
